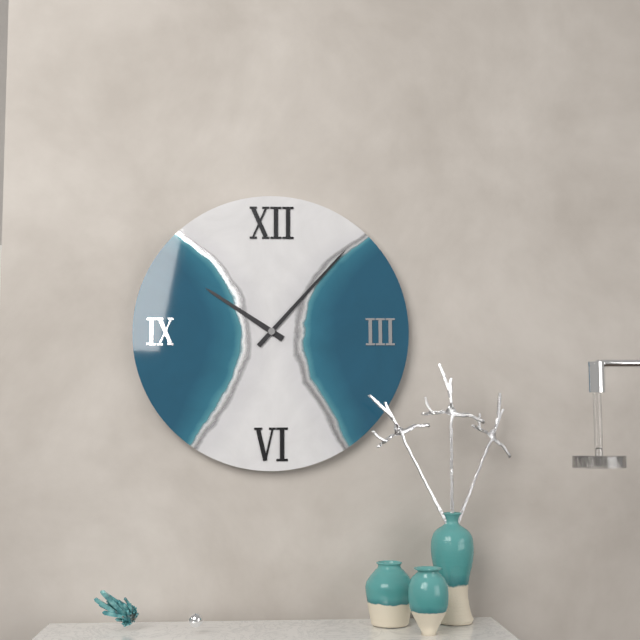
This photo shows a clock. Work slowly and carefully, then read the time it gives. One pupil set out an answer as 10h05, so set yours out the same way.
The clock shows 10h07
